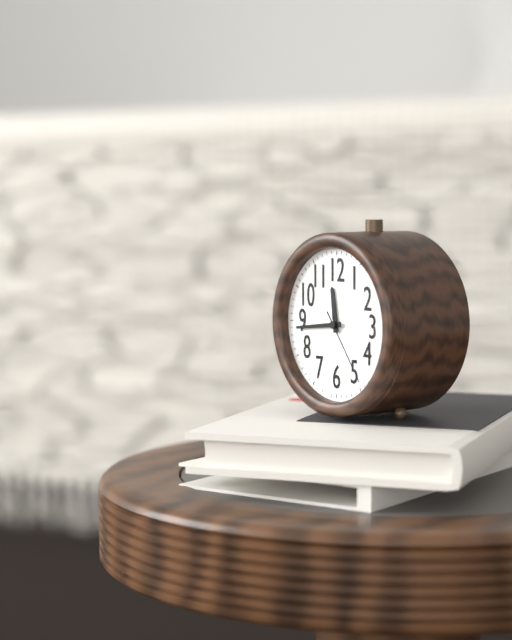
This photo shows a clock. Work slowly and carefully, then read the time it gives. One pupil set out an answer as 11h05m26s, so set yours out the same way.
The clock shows 11h44m24s
